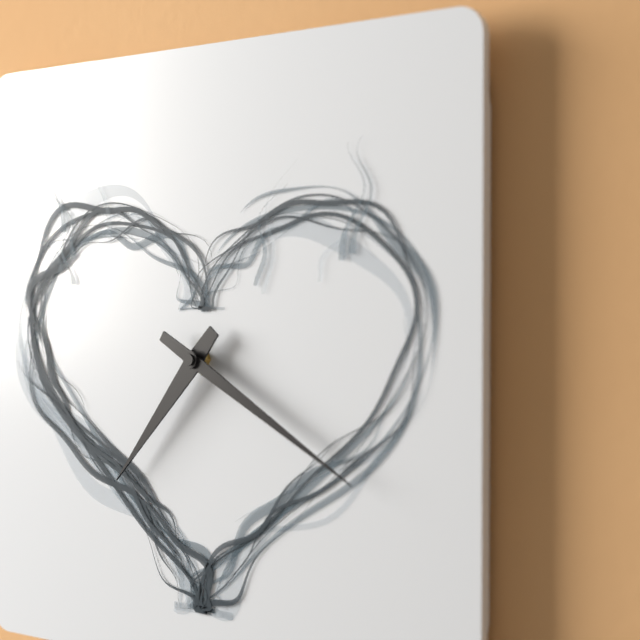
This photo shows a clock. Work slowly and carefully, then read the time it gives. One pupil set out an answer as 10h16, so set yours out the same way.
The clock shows 7h20
